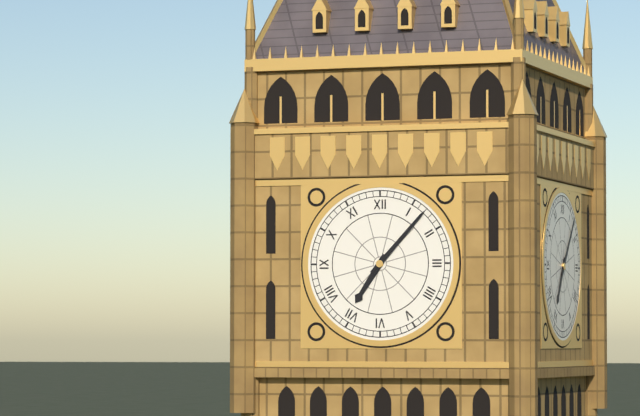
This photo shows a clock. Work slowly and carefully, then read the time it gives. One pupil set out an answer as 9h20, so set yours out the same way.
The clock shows 7h07
